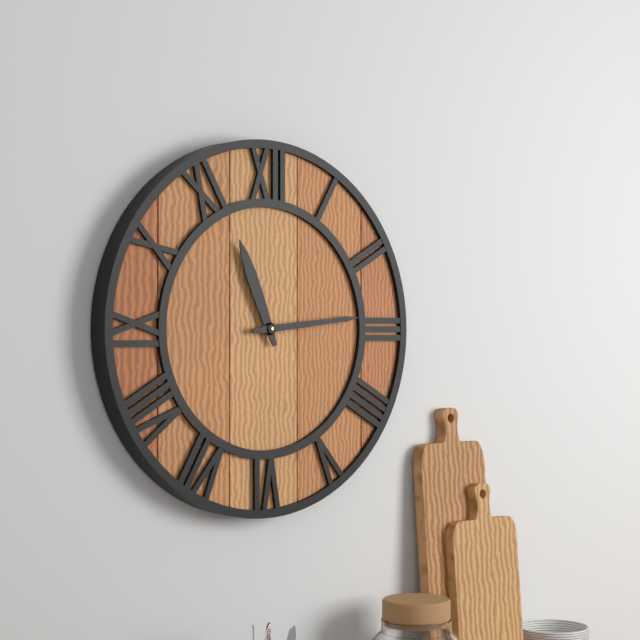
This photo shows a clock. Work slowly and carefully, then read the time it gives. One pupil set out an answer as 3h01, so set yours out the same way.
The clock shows 11h14
